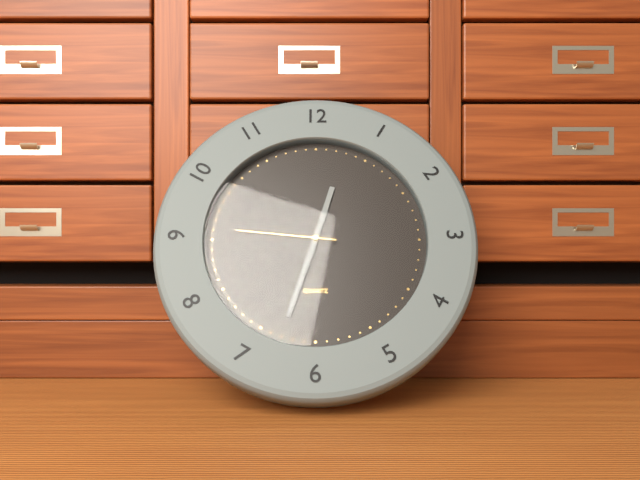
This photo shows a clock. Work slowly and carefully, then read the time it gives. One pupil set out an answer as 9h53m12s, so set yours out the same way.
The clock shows 12h33m46s
